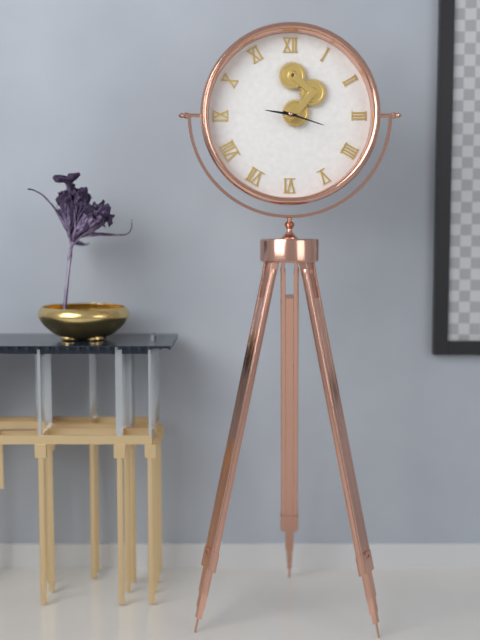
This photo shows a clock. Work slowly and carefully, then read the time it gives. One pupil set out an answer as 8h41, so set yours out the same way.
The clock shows 9h18
